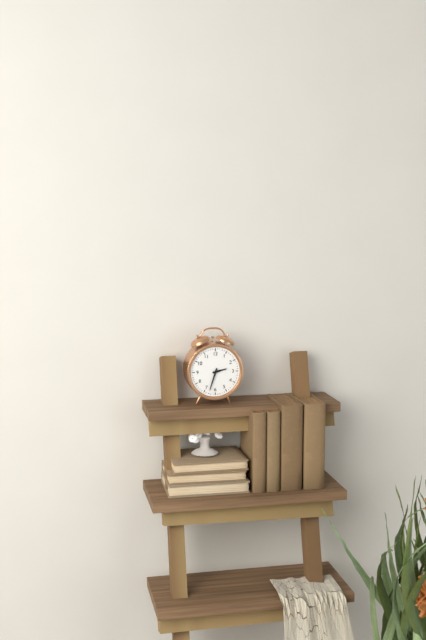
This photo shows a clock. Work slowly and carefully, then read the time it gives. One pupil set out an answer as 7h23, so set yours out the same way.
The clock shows 2h33
